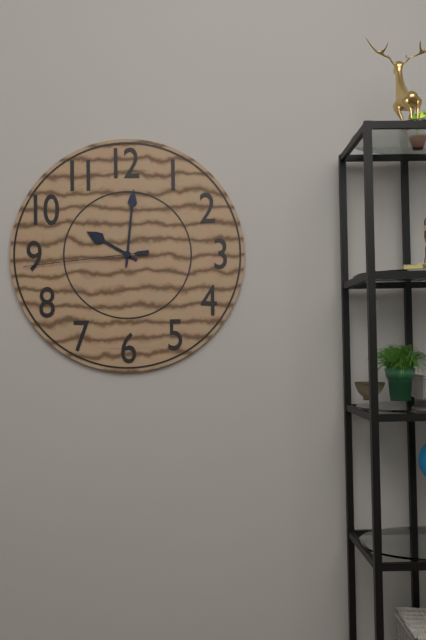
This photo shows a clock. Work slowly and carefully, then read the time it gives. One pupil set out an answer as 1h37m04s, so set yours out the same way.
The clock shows 10h01m44s
